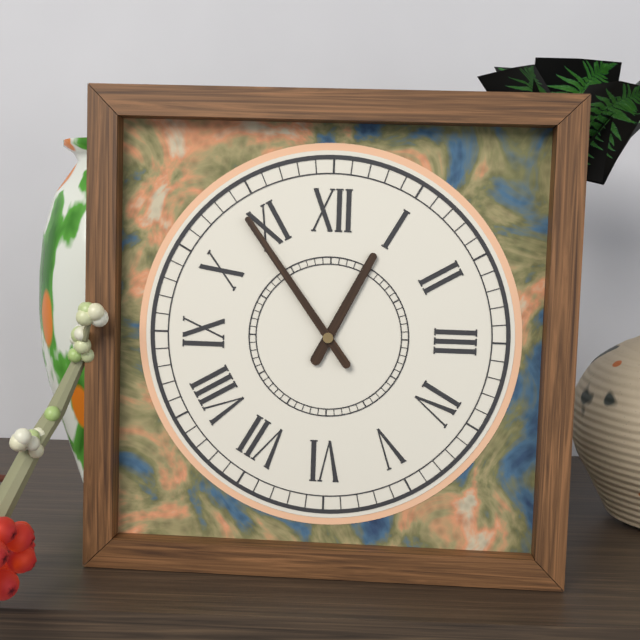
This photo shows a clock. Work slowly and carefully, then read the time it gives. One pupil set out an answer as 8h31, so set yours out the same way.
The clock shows 12h54
